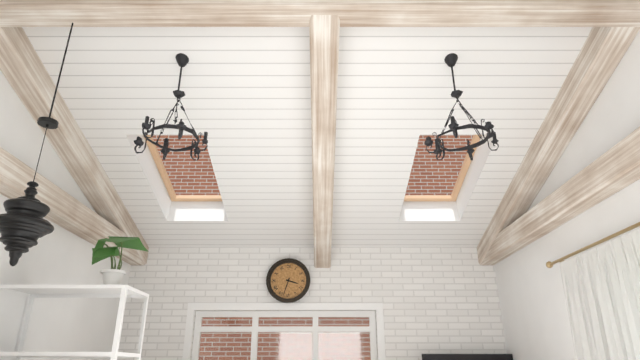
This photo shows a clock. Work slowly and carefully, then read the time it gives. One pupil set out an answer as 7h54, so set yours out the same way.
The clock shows 3h33
